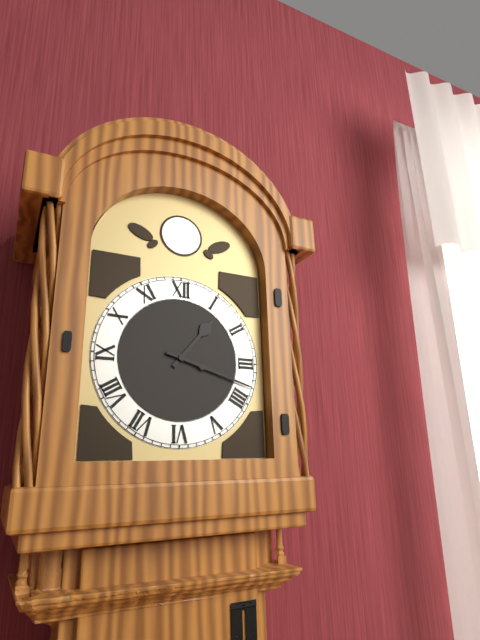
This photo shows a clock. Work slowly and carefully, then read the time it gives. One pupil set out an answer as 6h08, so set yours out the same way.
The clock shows 1h18
